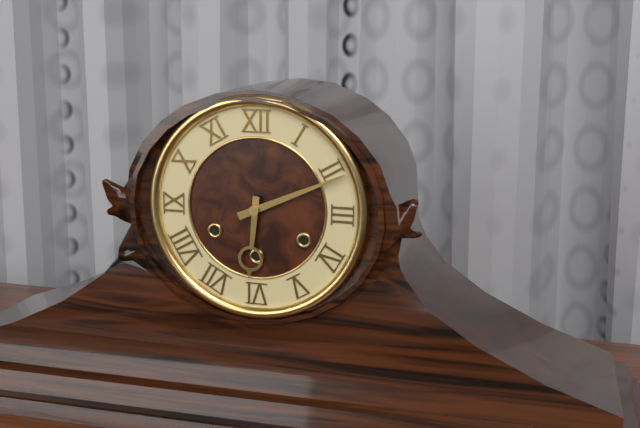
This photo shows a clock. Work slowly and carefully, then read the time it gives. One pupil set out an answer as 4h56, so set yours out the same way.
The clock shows 6h11
